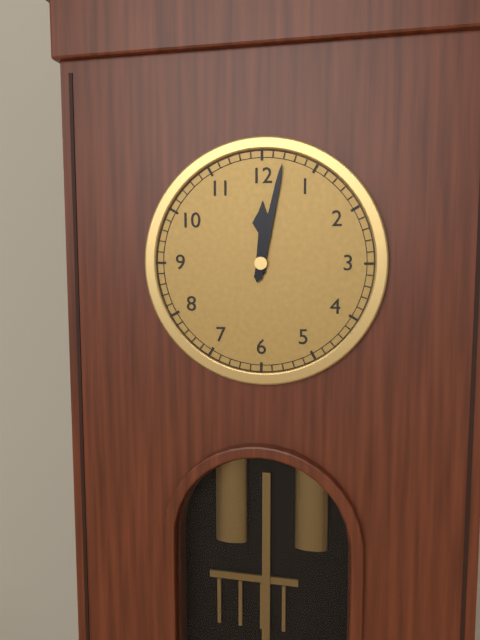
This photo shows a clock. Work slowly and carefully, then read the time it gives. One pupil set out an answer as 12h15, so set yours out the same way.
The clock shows 12h02
